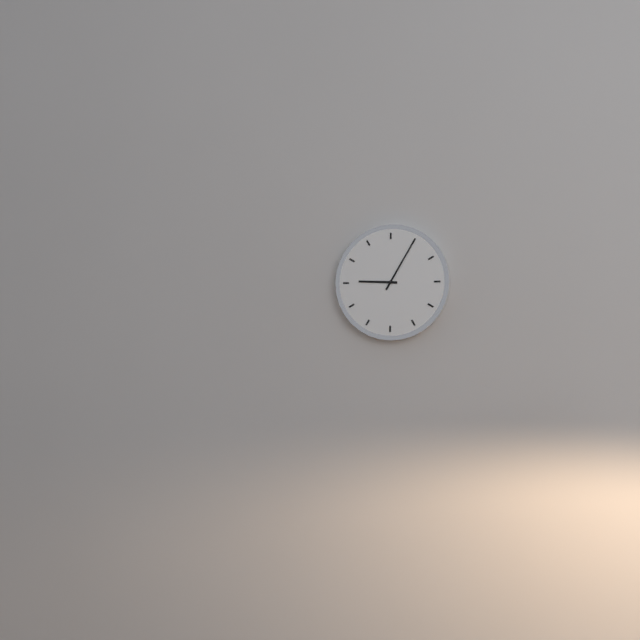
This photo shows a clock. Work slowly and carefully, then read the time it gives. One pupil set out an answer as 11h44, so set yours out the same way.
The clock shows 9h05
